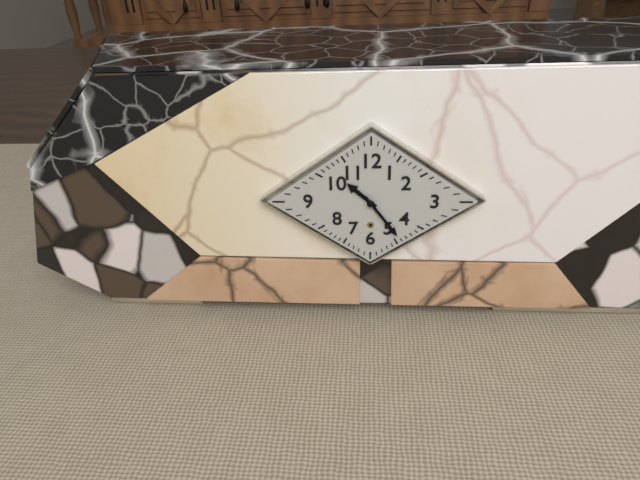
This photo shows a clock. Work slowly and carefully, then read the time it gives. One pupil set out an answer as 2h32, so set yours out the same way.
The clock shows 10h24
